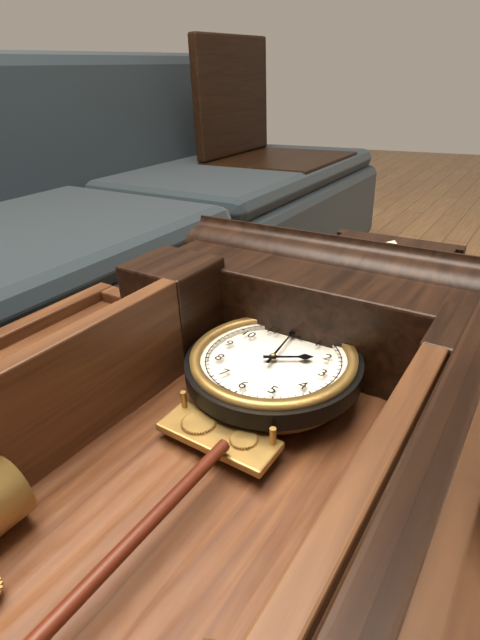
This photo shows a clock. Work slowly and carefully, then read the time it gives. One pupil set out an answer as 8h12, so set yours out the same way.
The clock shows 1h59
